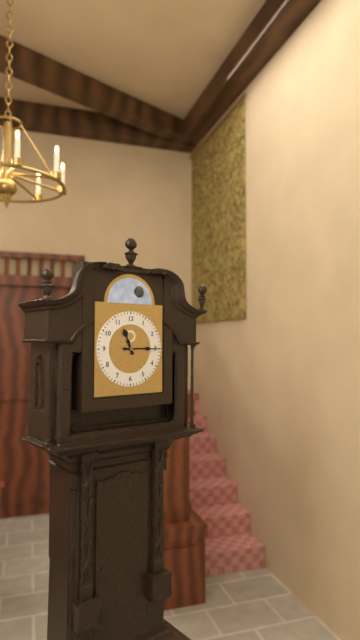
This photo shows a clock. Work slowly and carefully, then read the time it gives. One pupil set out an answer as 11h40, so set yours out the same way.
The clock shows 11h15
